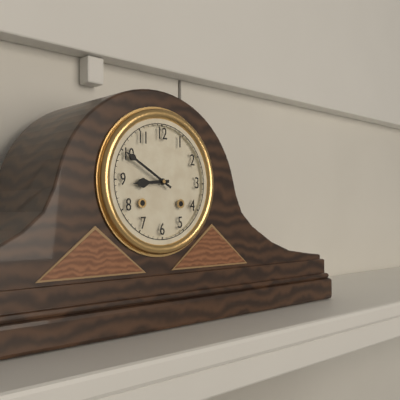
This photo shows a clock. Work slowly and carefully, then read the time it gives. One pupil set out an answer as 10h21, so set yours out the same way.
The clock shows 8h50
